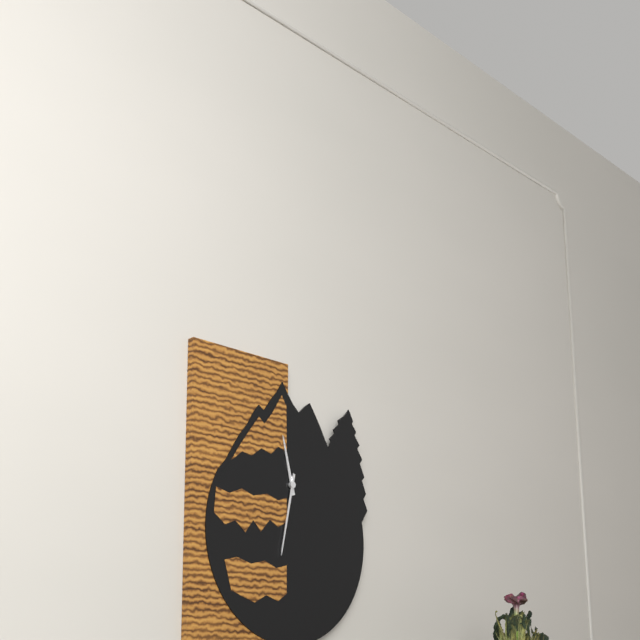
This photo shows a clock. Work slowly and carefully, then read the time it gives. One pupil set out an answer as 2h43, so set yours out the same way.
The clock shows 11h32
